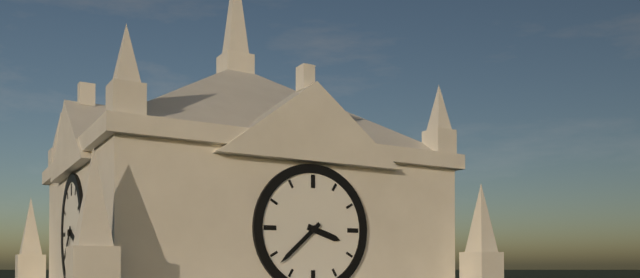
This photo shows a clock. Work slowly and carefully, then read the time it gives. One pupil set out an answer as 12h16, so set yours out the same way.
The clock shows 3h38
